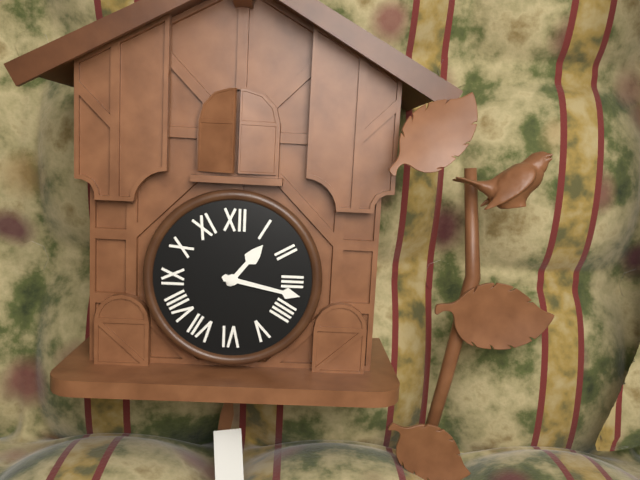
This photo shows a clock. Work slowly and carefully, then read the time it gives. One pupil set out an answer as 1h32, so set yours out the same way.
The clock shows 1h17
